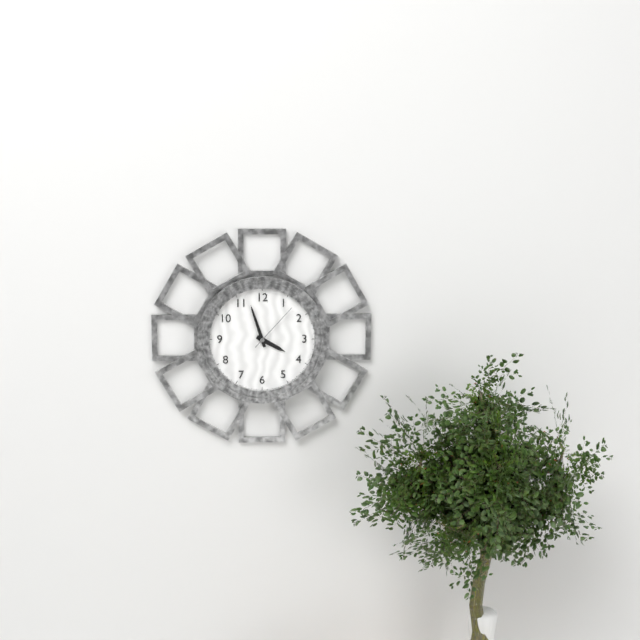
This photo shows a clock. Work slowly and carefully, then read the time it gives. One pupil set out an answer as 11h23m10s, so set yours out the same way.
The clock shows 3h57m07s
